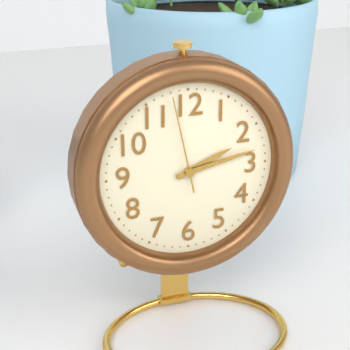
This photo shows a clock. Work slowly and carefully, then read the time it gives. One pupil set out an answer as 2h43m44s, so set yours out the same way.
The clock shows 2h13m58s
